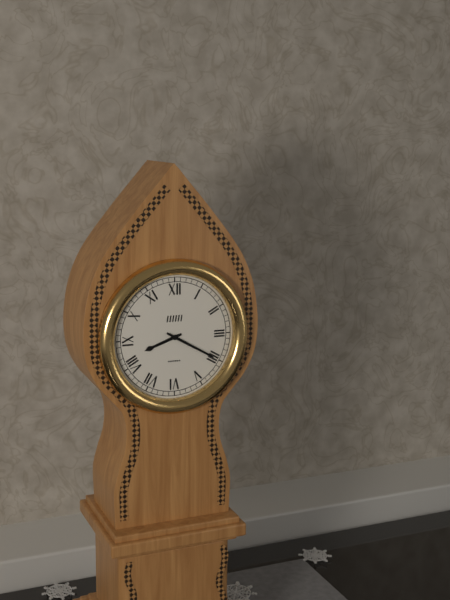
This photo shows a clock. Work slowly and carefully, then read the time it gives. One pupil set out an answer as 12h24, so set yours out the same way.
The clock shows 8h20
